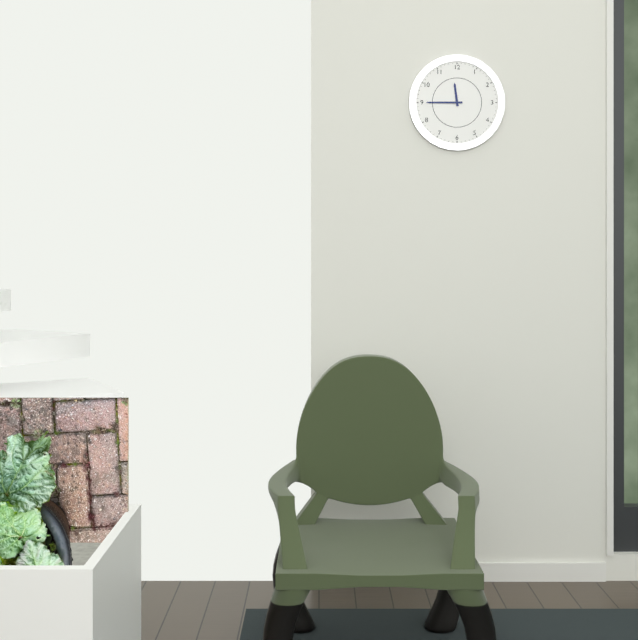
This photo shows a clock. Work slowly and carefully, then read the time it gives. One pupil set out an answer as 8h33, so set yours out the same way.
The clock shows 11h45
